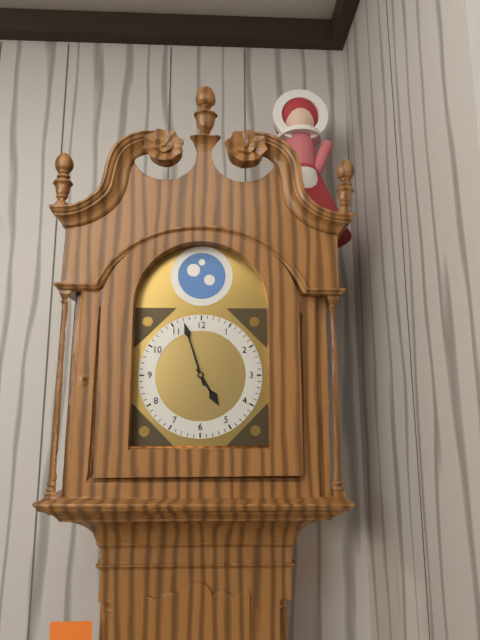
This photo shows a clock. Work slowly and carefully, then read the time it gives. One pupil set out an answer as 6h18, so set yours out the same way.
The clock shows 4h57
